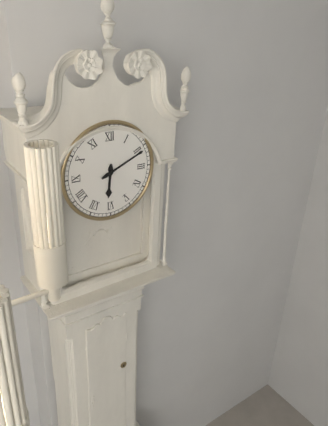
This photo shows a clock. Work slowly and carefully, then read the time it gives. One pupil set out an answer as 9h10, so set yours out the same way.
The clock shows 6h11
